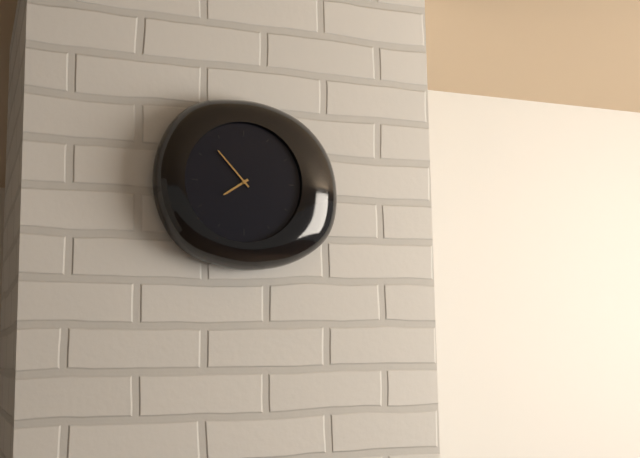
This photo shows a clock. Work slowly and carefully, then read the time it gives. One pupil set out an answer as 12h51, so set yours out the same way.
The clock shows 7h53
